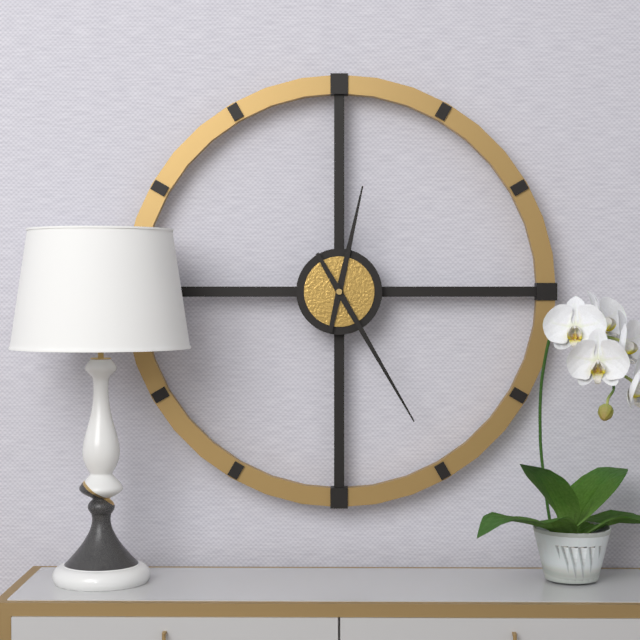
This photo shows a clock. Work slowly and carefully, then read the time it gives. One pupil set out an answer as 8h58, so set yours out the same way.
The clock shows 12h25
